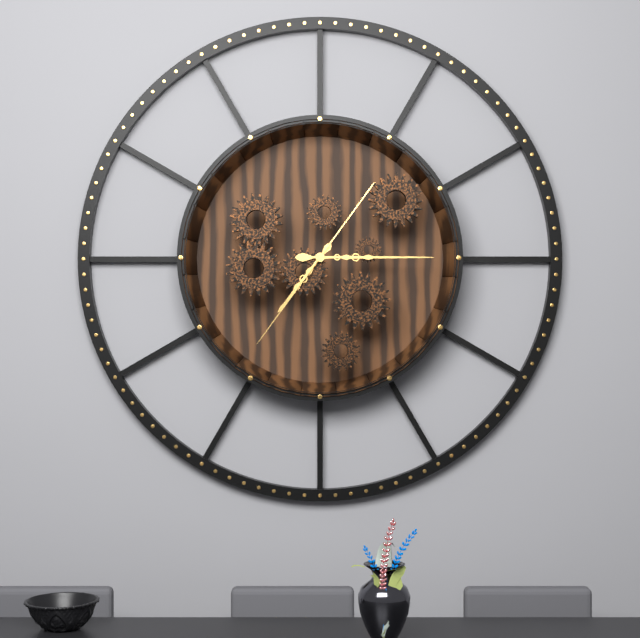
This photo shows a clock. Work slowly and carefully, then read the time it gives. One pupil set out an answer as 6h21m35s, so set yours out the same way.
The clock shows 7h15m36s
